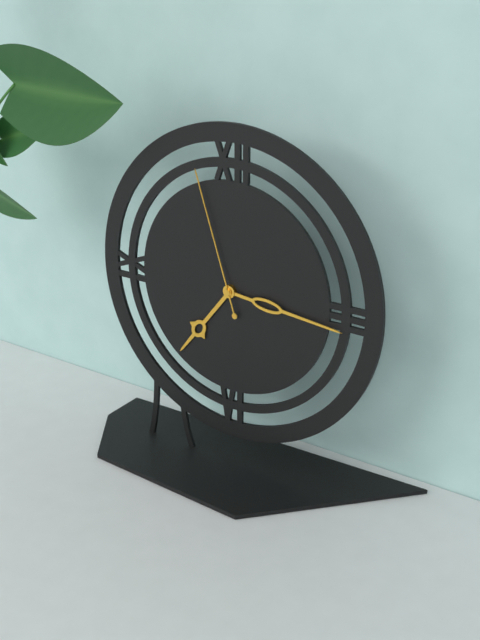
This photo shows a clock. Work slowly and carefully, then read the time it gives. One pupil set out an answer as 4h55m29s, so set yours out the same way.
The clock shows 7h16m57s
